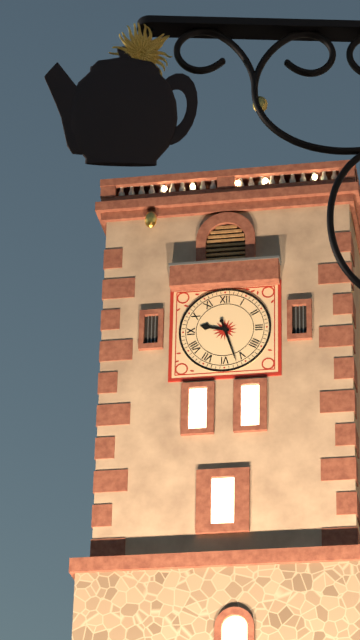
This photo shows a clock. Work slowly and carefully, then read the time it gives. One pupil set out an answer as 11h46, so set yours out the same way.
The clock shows 9h27
